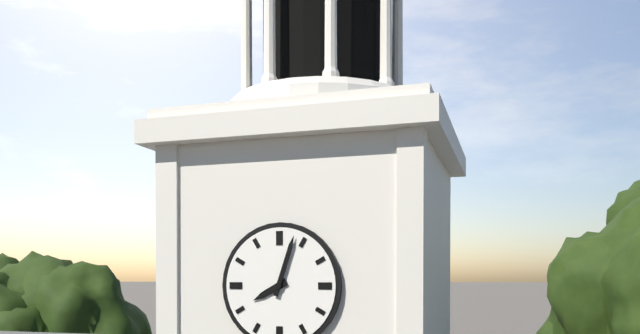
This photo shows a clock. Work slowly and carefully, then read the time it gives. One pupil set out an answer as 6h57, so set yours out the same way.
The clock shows 8h03
